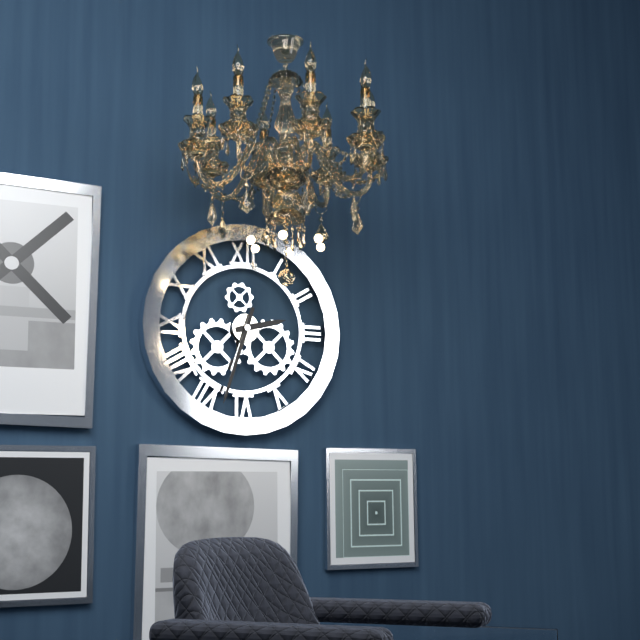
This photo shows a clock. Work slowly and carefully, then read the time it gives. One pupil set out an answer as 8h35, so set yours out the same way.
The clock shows 2h33
